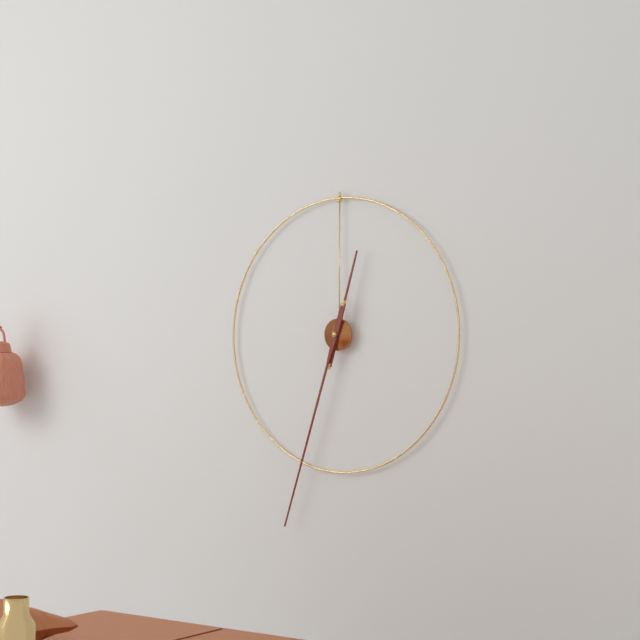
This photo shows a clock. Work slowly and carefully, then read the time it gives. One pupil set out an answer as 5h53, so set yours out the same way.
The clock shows 12h33
